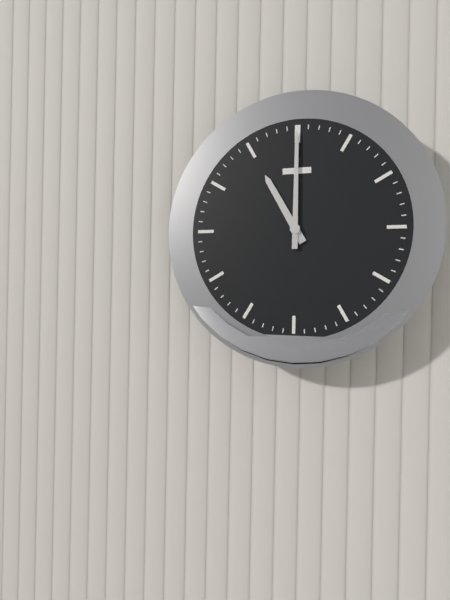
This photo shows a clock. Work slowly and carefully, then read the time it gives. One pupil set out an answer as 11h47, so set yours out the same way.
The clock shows 11h00
